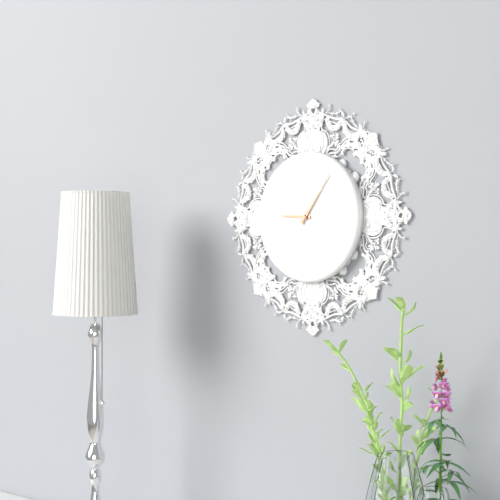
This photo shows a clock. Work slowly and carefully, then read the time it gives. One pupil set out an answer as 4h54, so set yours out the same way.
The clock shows 9h06
